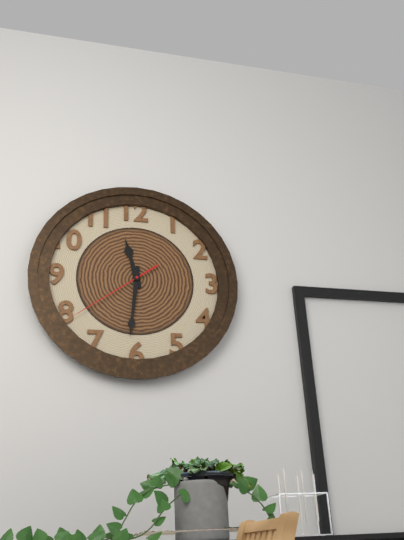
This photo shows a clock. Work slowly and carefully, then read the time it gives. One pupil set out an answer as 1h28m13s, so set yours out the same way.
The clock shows 11h31m39s
